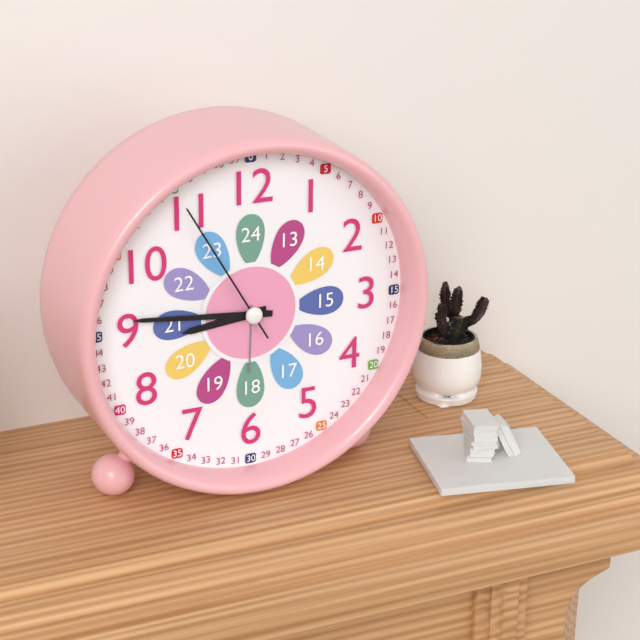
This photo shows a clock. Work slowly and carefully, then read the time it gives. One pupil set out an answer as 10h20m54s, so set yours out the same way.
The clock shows 8h46m55s
